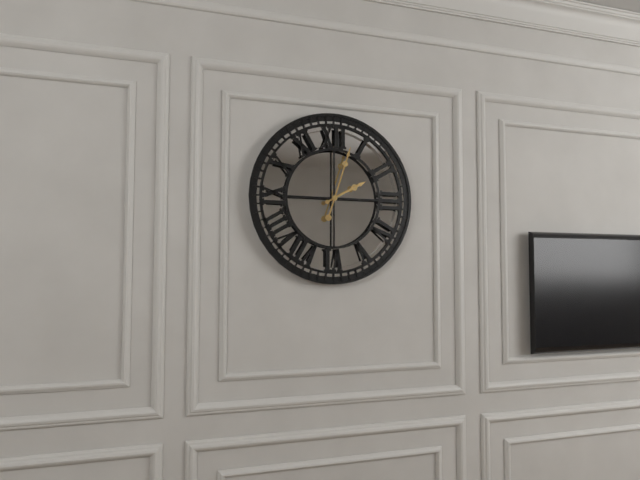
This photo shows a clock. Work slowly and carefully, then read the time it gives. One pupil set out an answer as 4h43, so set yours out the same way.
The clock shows 2h03
